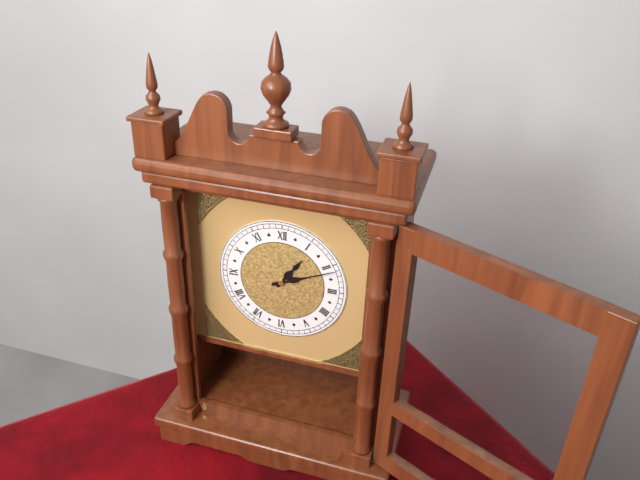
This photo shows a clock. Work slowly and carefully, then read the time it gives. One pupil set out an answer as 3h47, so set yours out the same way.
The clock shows 1h11
